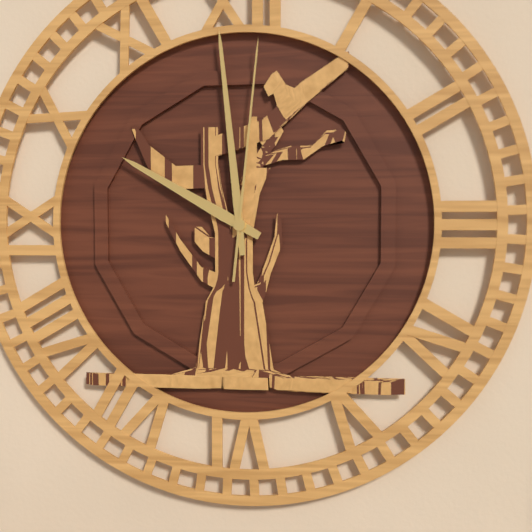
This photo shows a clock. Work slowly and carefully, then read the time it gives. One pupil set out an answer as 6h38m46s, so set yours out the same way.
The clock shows 9h59m01s
